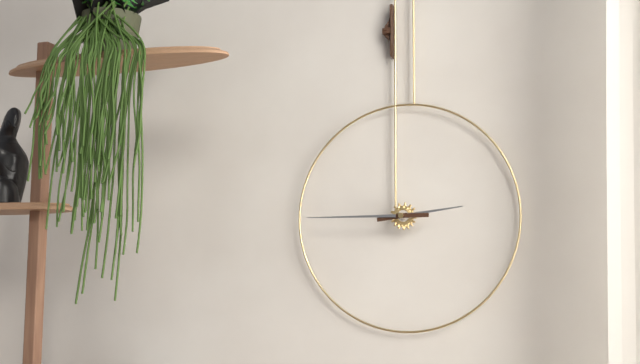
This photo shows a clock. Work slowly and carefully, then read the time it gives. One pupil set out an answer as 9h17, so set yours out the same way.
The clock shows 2h45
